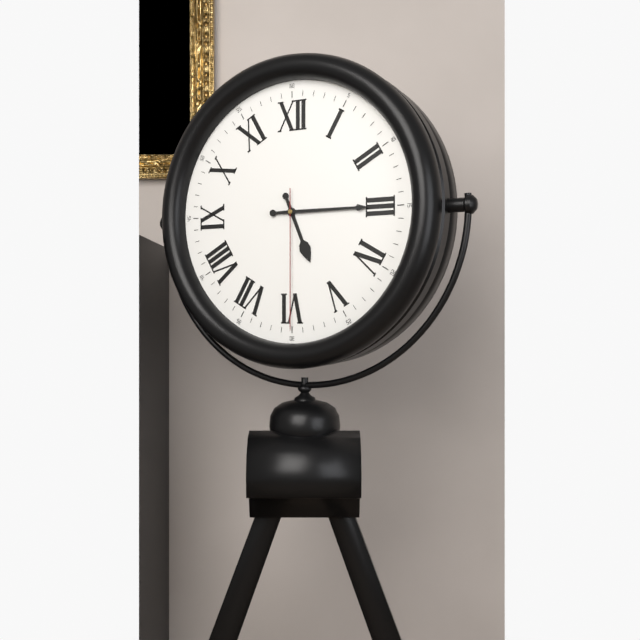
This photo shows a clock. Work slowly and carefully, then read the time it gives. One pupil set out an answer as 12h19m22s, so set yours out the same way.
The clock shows 5h15m30s
